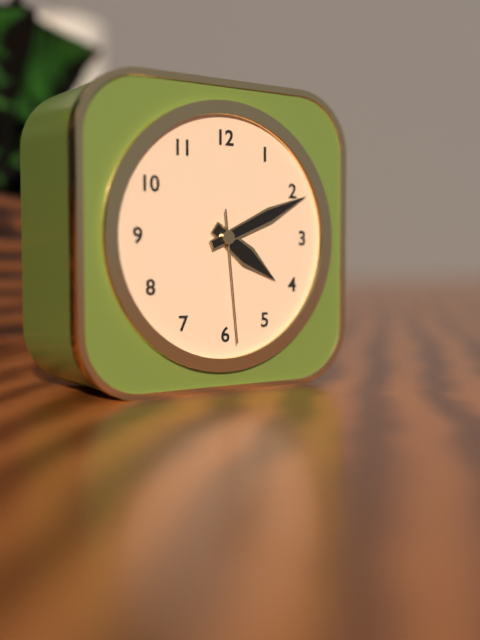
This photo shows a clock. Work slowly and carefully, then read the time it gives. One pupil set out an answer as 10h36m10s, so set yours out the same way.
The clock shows 4h11m29s
